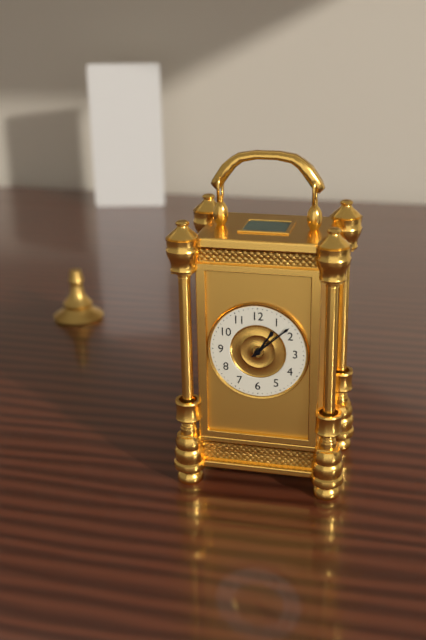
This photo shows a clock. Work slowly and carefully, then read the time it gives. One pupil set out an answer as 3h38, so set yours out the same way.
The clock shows 1h08
